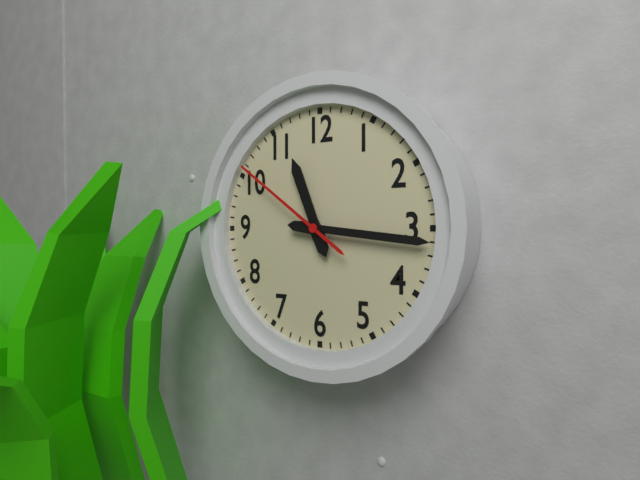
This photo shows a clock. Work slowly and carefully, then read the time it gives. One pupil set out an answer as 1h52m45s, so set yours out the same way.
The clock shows 11h16m51s
